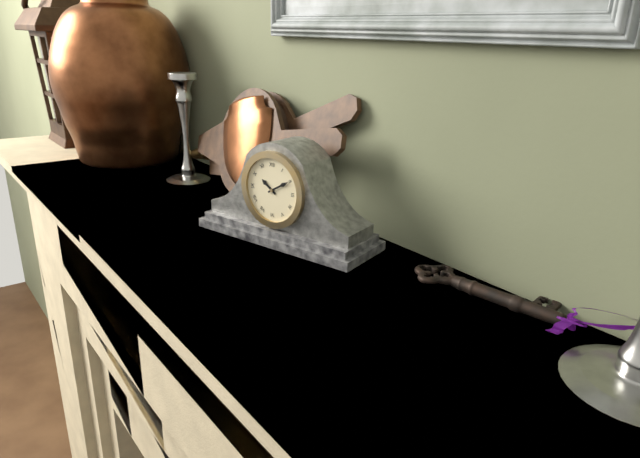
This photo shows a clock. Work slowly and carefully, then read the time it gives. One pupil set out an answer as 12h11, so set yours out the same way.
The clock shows 10h10
